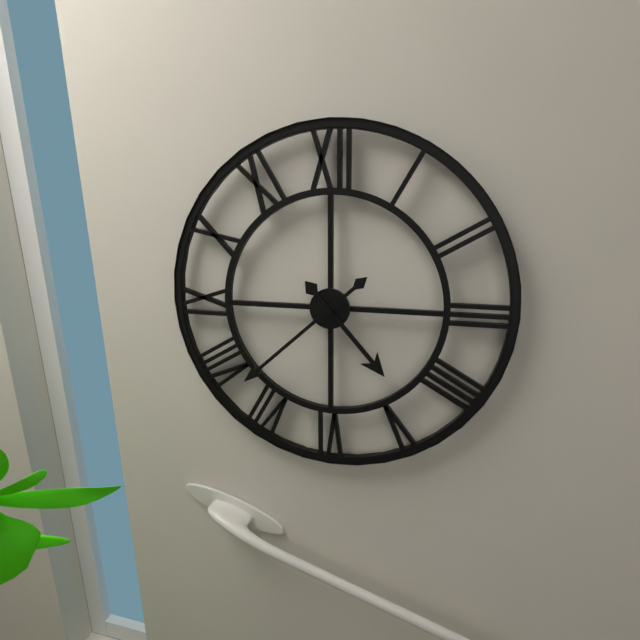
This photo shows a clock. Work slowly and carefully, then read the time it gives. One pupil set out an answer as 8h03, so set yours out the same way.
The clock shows 4h38
